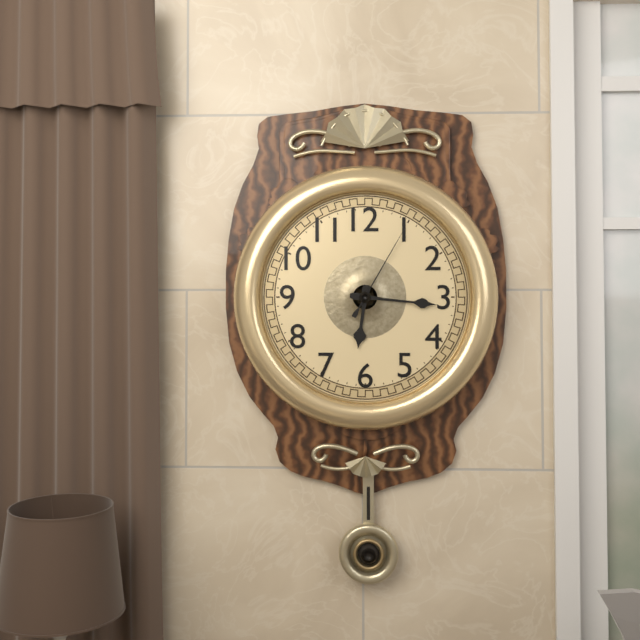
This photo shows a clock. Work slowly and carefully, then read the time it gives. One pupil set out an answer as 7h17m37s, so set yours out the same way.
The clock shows 6h16m05s
